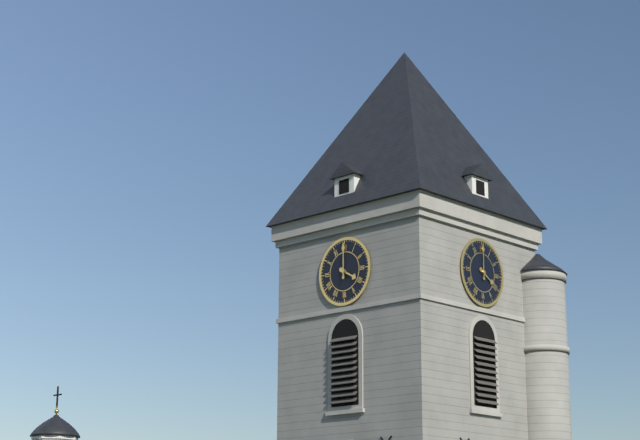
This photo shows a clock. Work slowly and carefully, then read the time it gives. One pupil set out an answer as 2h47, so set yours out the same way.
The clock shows 4h00
